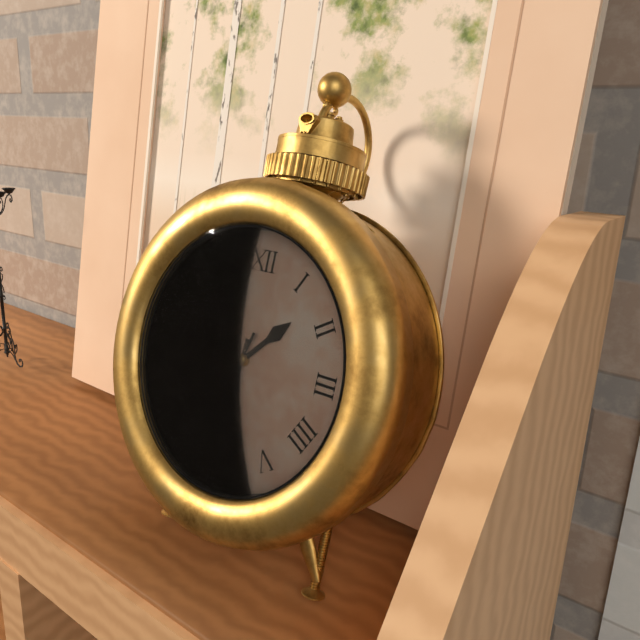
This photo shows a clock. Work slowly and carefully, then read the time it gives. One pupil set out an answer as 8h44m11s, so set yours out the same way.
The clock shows 1h31m33s
